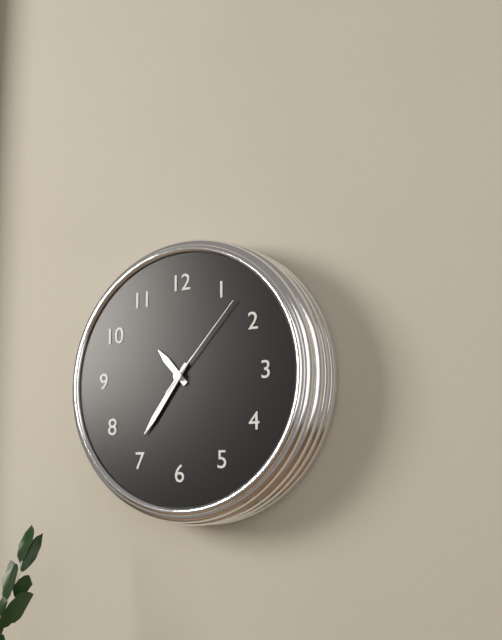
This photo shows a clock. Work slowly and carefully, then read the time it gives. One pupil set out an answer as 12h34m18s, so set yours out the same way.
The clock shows 10h36m07s
